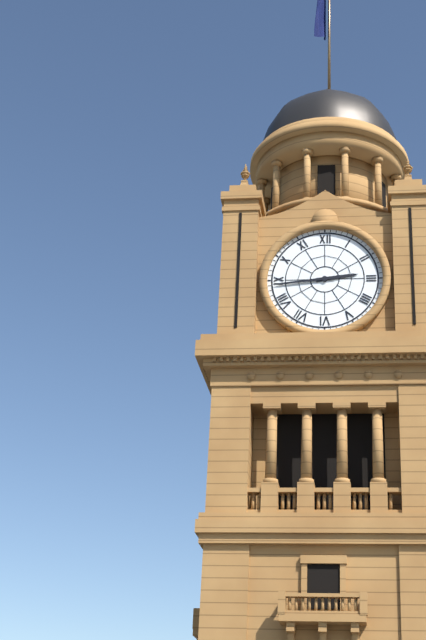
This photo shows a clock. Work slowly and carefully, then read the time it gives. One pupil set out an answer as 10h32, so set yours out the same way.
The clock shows 2h44
